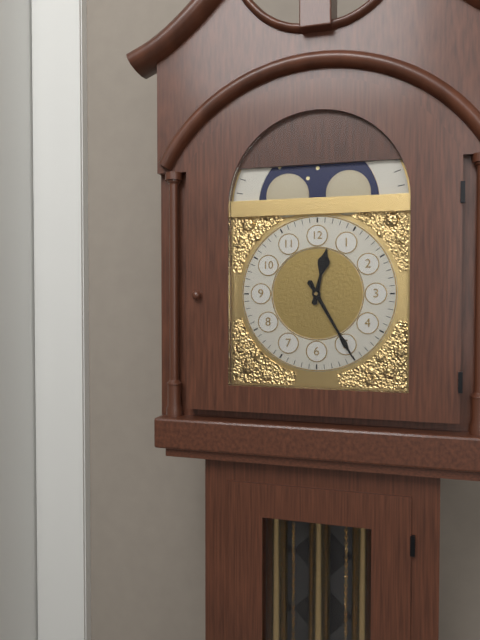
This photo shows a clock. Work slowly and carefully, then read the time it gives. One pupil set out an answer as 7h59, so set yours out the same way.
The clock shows 12h25
